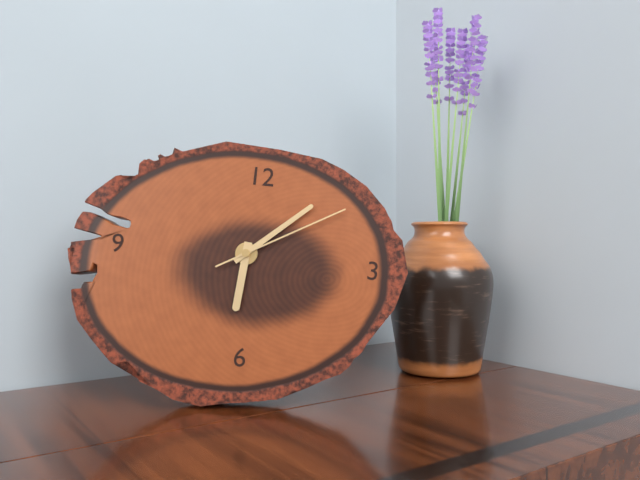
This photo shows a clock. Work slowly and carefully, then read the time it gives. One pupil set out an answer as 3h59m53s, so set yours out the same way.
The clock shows 6h08m10s
